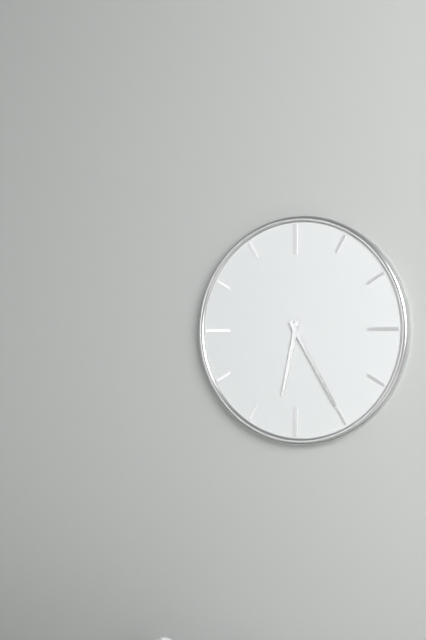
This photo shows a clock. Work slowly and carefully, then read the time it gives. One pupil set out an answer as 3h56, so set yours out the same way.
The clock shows 6h25
